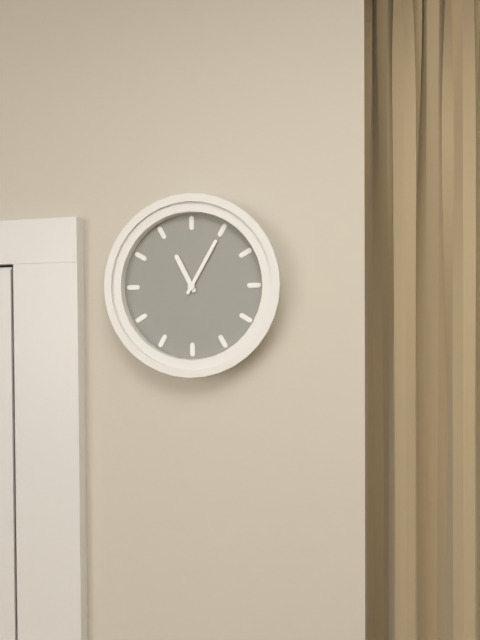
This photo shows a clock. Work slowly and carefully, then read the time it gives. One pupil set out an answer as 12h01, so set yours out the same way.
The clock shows 11h05
